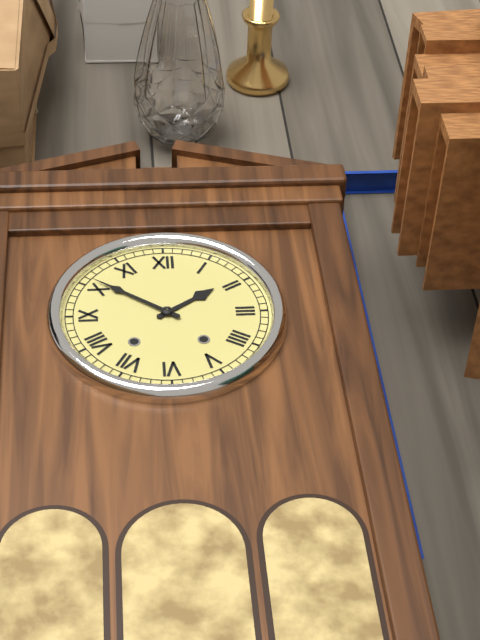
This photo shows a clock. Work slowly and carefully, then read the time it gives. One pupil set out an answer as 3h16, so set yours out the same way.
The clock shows 1h51
